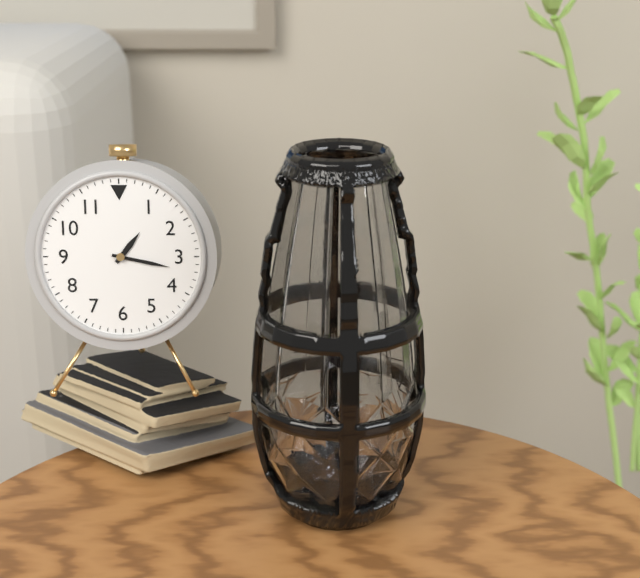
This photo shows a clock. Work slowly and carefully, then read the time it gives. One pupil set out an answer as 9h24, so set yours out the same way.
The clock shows 1h17
